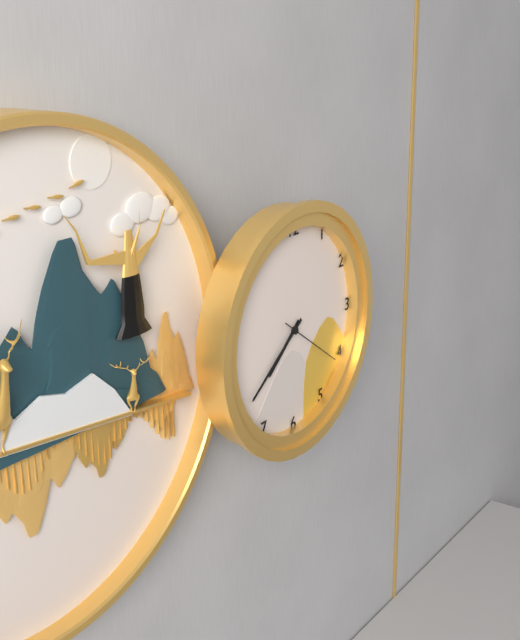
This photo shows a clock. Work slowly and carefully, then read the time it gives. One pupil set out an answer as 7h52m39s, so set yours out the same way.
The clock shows 7h39m21s
